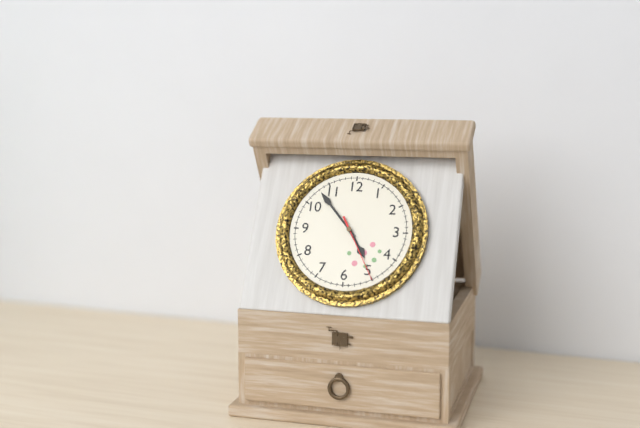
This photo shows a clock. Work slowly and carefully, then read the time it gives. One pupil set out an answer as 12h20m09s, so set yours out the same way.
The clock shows 4h53m25s
